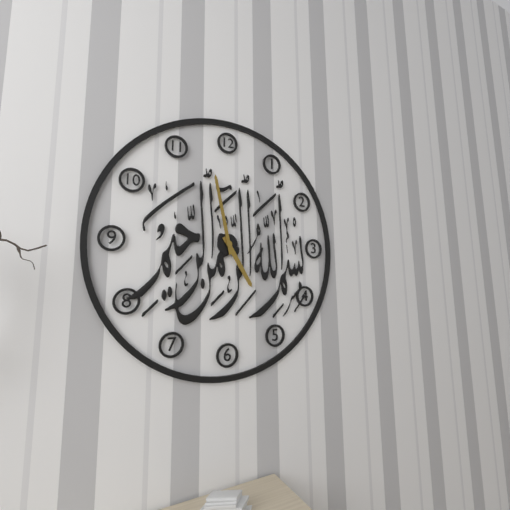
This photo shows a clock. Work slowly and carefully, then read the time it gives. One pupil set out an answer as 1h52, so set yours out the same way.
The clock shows 4h58
